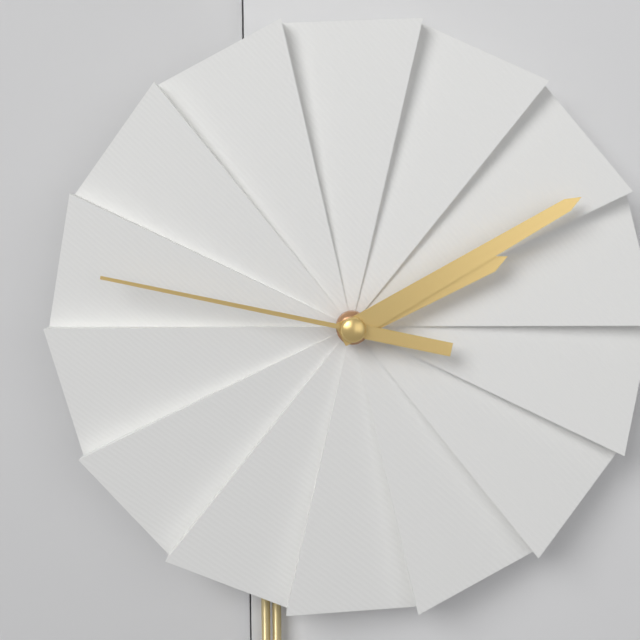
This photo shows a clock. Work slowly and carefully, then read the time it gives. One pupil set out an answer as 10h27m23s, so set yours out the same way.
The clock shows 2h10m47s
